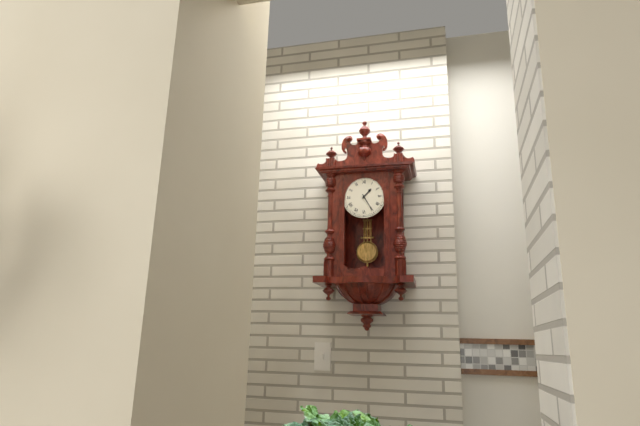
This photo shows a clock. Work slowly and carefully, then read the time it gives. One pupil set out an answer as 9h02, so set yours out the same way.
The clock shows 1h25
